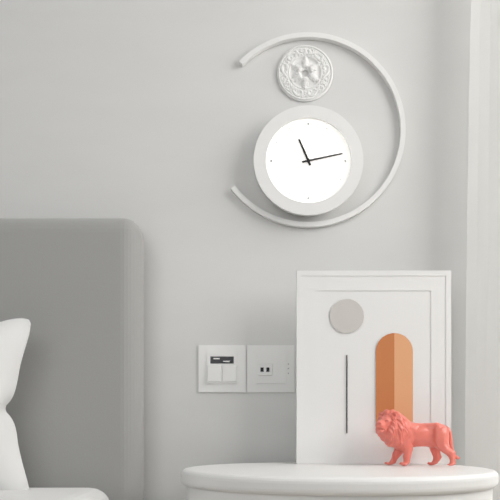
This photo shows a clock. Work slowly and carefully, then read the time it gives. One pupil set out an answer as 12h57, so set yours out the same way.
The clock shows 11h13
